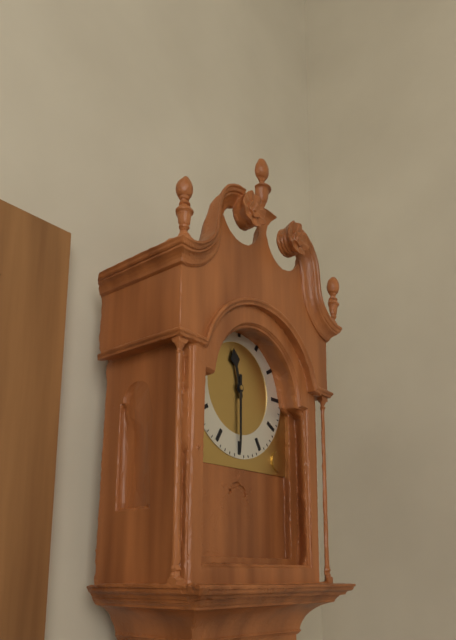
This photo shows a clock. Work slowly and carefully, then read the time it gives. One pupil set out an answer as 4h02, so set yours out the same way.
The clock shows 11h30
